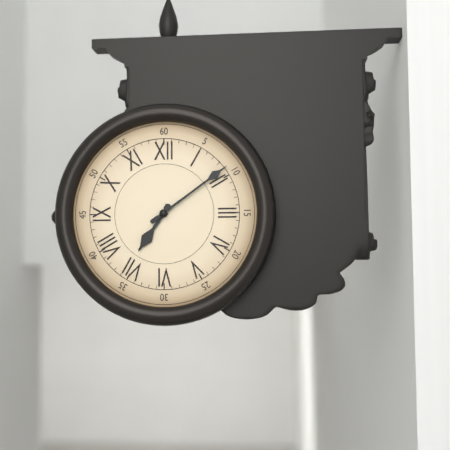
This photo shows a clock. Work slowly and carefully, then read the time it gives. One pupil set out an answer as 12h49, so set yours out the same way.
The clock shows 7h09
